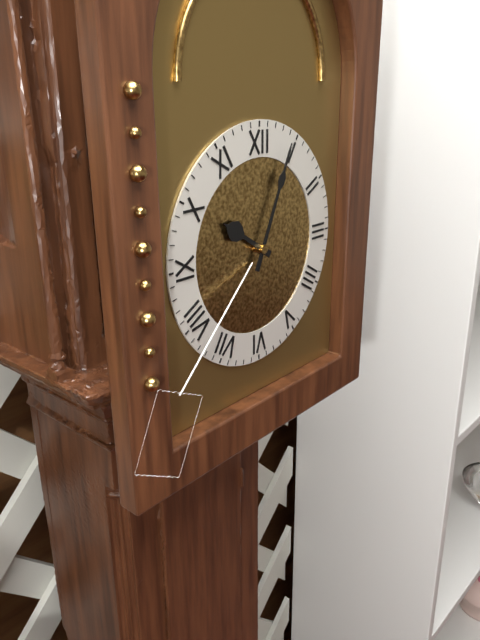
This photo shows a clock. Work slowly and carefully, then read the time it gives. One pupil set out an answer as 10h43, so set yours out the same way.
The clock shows 10h04
